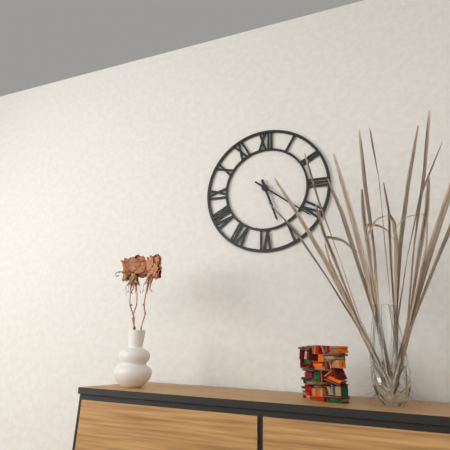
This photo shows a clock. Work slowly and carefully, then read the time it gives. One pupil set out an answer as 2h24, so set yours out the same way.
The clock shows 5h21
